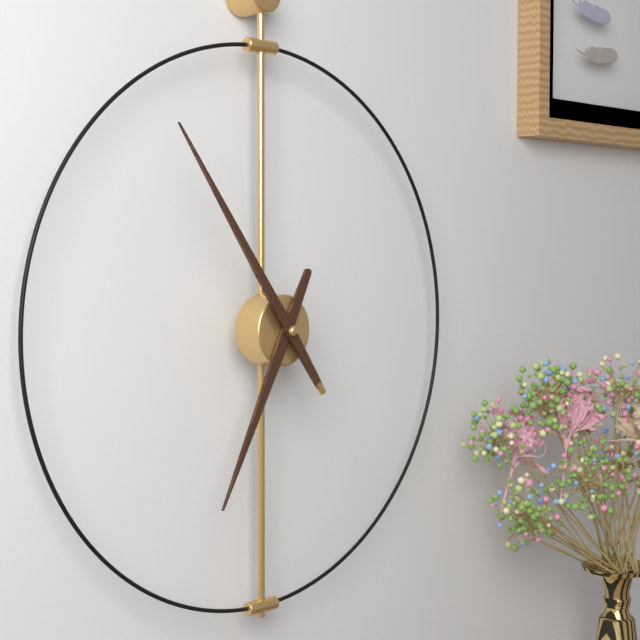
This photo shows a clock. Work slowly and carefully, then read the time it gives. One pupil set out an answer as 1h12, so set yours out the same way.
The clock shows 6h54
